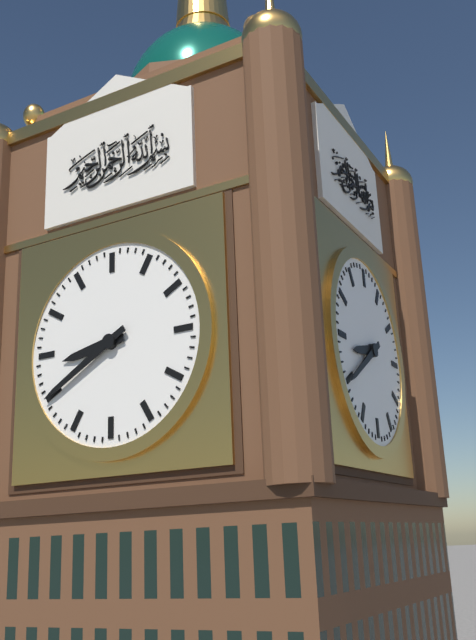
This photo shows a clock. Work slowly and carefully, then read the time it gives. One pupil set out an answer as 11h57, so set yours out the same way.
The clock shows 8h40
